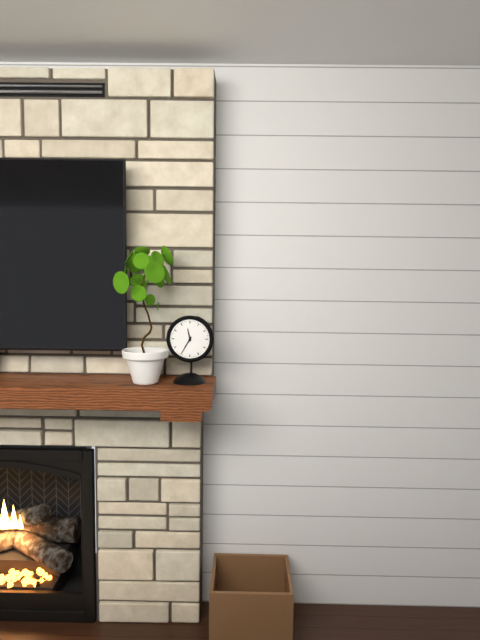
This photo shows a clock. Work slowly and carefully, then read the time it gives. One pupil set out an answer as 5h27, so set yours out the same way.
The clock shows 11h35
